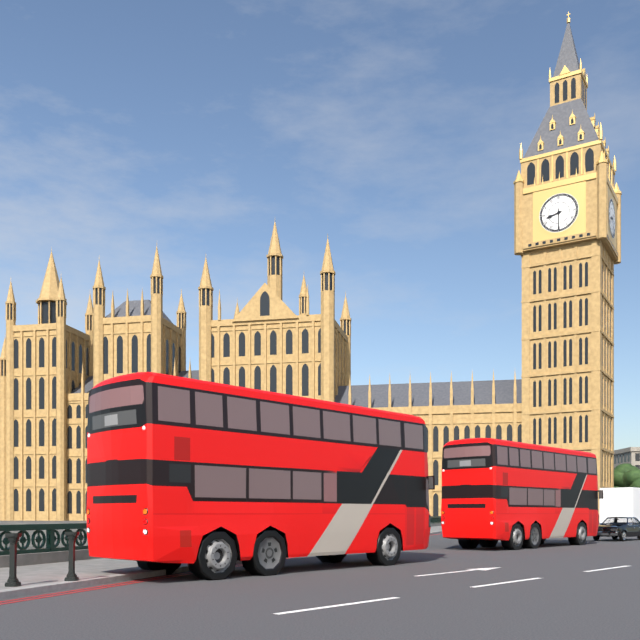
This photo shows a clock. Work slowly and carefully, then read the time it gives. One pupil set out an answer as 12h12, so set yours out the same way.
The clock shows 8h30
